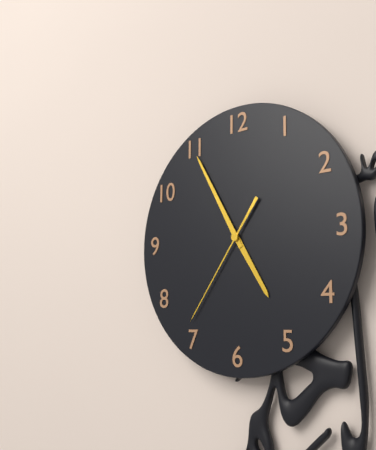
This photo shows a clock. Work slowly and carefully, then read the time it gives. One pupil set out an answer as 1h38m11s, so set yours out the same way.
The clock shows 4h55m36s
